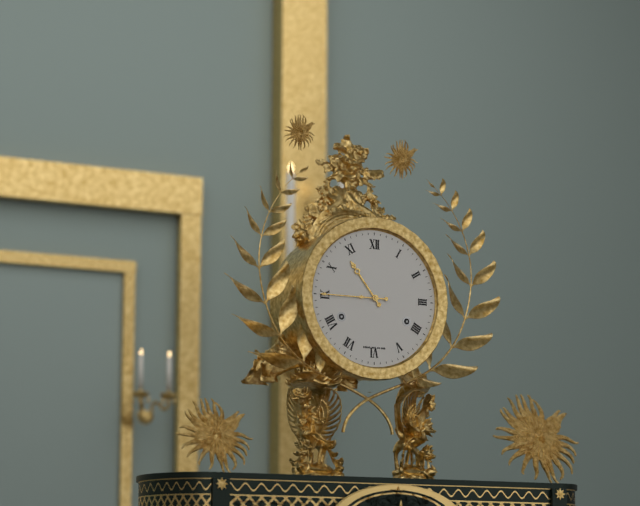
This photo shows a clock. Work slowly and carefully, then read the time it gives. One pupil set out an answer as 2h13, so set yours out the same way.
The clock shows 10h45
